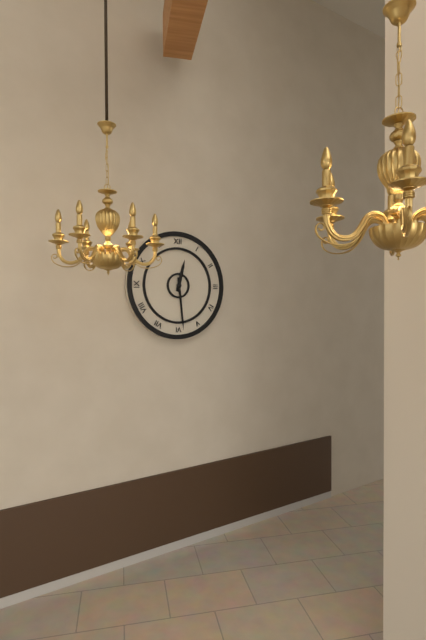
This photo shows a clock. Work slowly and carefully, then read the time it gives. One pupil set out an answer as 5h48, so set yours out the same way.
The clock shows 12h29
